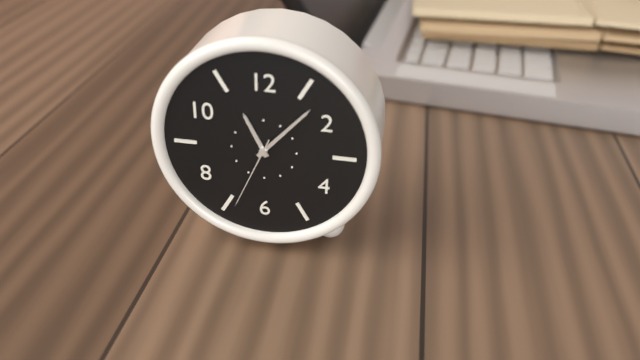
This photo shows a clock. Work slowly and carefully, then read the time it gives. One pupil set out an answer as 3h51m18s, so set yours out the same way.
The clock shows 11h07m34s
